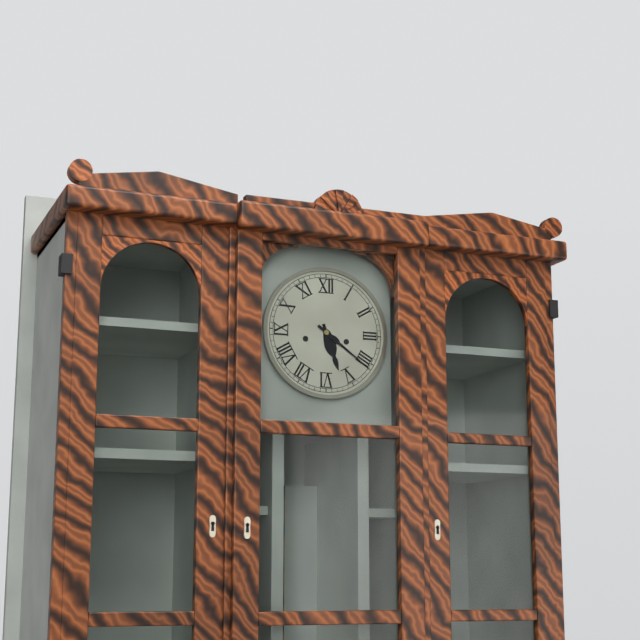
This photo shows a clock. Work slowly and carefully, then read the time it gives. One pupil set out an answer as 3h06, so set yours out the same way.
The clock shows 5h21
